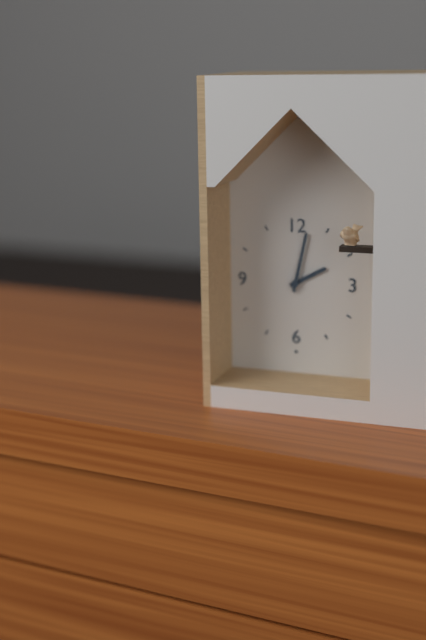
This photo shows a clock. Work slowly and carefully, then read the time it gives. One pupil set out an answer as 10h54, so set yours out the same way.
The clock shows 2h02
